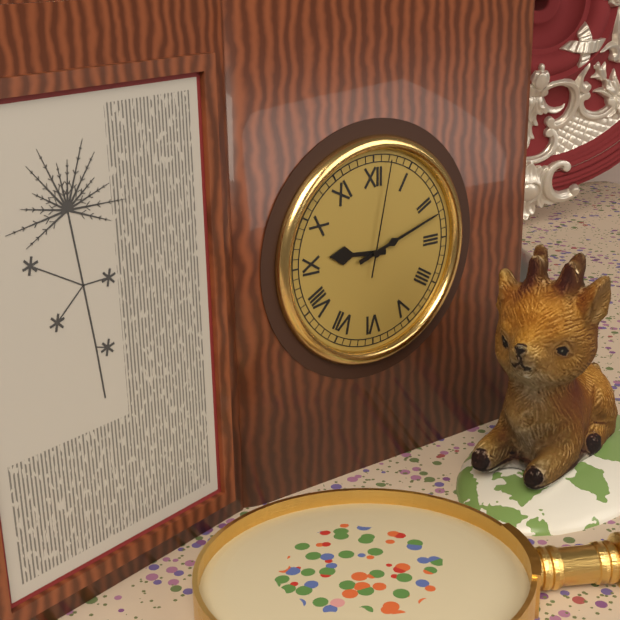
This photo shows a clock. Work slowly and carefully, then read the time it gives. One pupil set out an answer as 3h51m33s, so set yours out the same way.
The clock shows 9h12m02s
